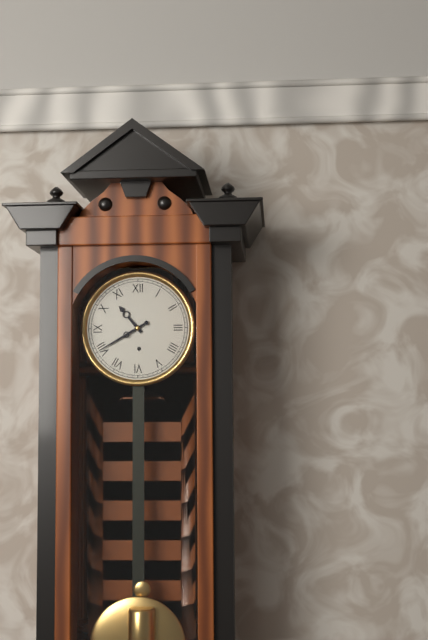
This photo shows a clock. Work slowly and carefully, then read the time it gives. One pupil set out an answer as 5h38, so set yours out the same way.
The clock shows 10h40
